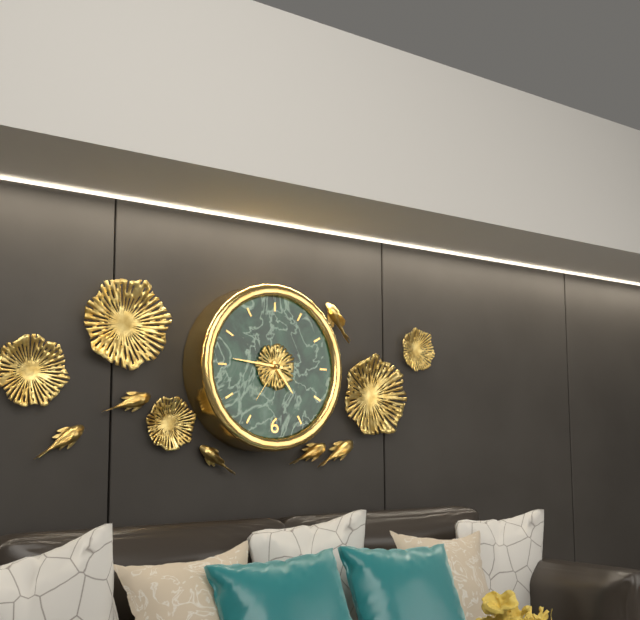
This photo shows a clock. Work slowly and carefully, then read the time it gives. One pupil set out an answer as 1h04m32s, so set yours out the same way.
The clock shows 4h46m36s
